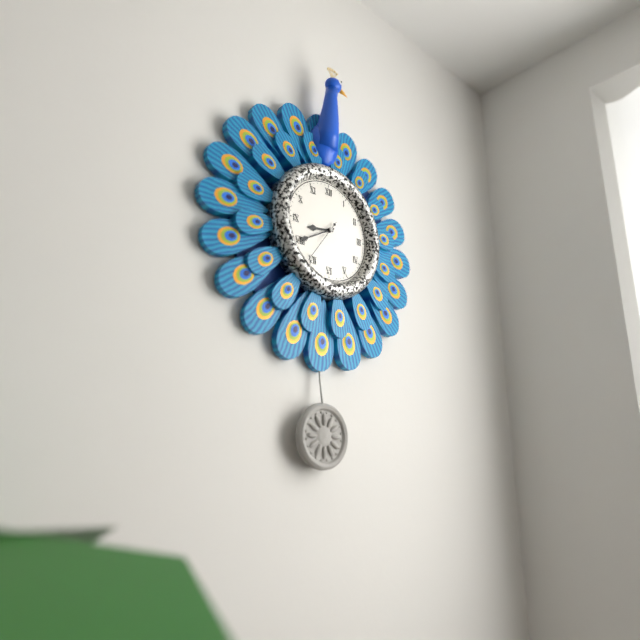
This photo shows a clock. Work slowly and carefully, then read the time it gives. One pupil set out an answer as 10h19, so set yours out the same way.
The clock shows 8h40
